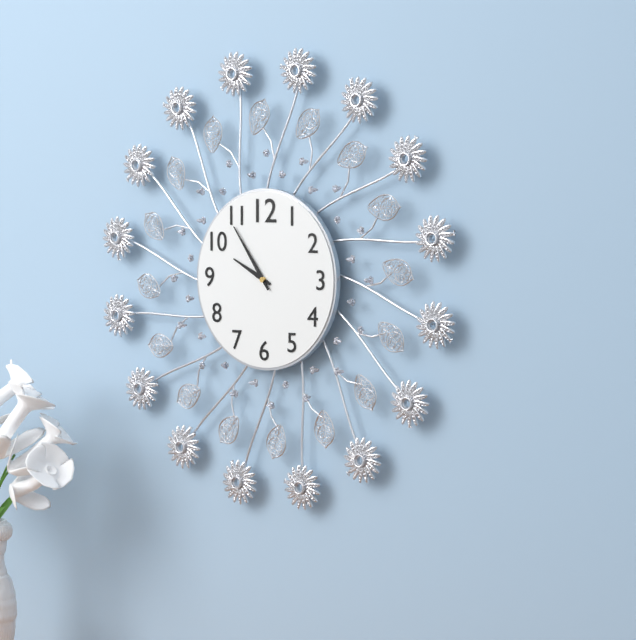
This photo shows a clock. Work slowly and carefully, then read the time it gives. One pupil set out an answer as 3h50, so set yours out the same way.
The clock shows 9h54
